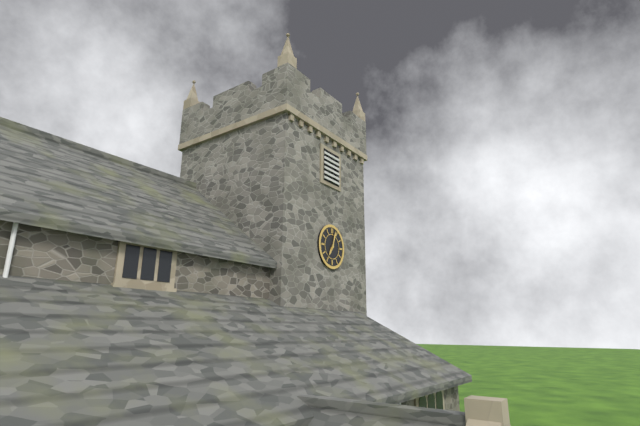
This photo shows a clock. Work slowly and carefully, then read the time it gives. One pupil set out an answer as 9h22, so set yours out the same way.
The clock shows 7h03
